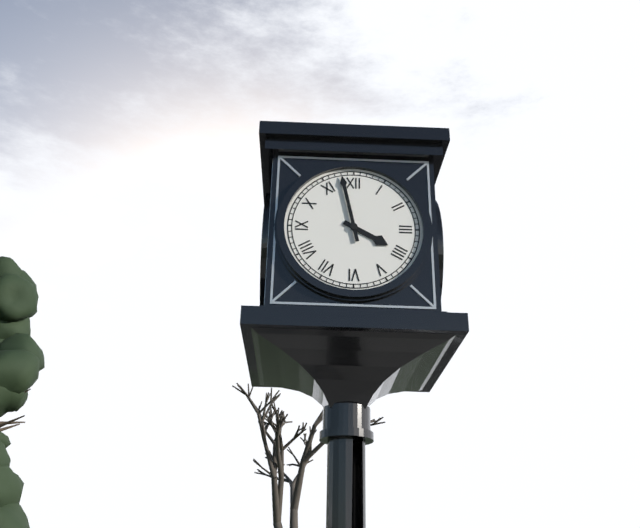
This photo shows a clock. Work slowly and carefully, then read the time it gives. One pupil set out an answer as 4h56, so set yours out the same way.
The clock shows 3h58
